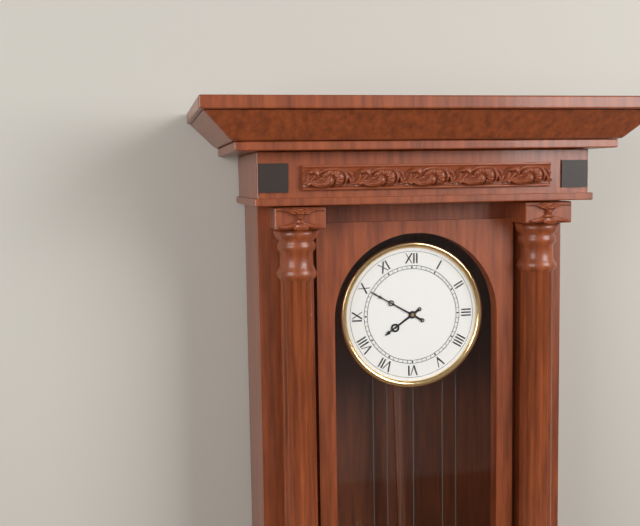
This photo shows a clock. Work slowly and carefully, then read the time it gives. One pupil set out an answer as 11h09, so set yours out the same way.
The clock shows 7h50
